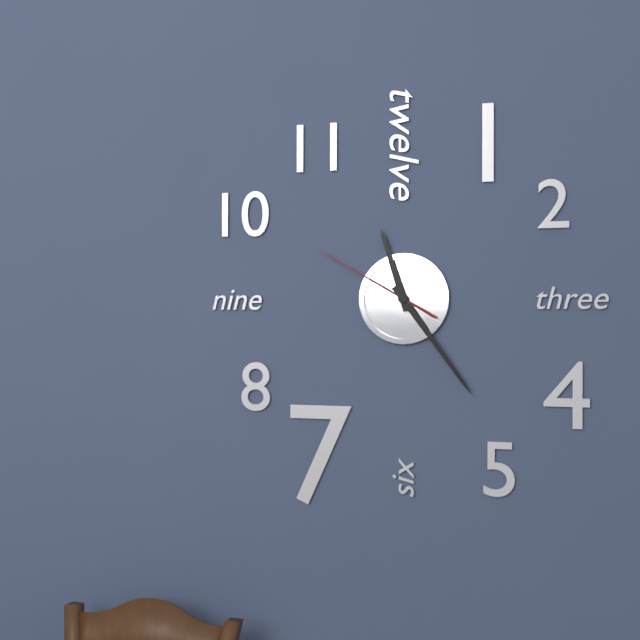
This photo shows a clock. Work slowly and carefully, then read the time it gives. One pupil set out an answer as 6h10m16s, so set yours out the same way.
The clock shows 11h24m50s
